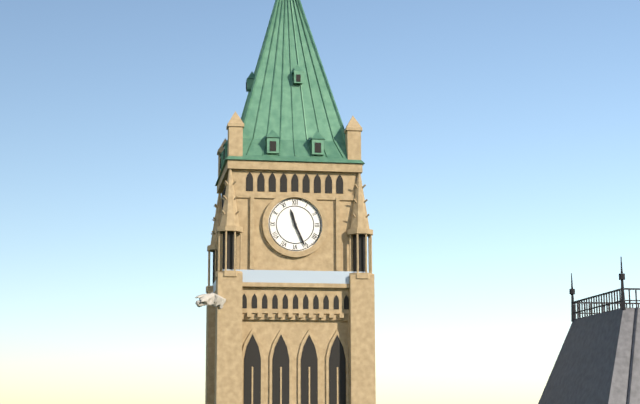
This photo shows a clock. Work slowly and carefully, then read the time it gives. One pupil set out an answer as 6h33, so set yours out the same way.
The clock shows 11h26
